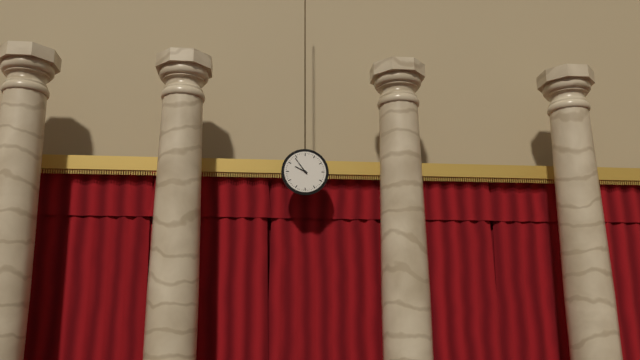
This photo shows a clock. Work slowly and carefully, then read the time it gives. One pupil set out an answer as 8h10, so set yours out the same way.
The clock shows 9h54
